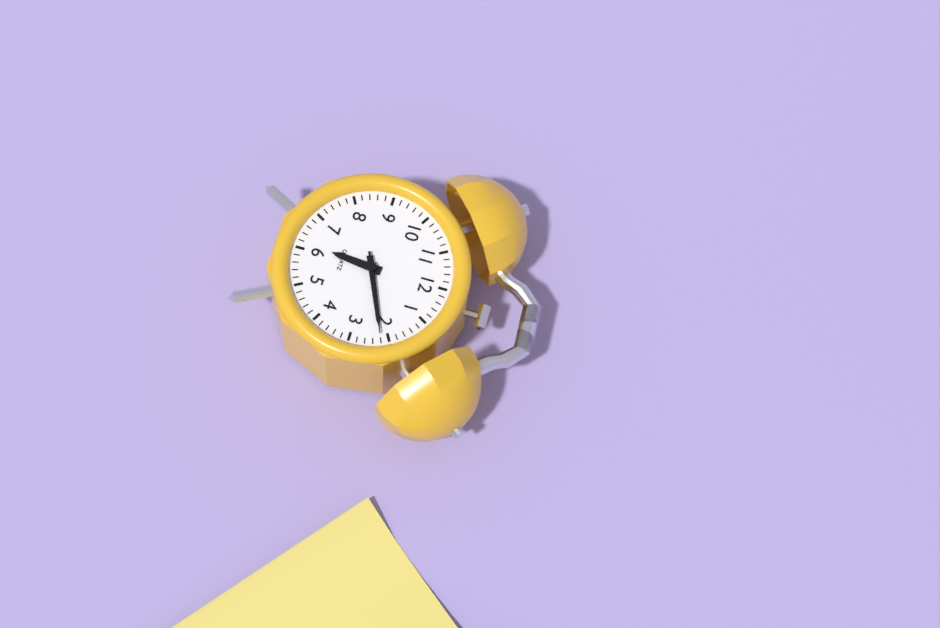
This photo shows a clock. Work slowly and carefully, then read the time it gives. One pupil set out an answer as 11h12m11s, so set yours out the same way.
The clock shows 6h11m11s
